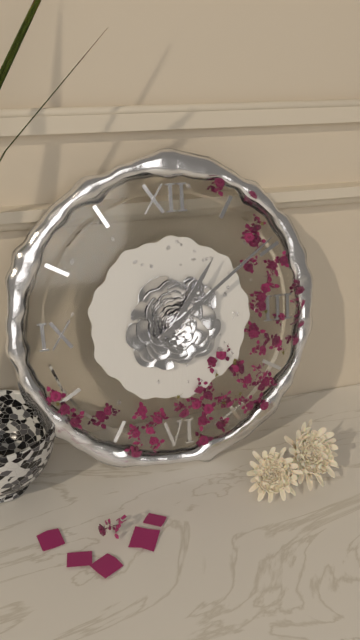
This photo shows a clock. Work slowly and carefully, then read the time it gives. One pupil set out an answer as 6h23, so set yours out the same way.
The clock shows 1h09
